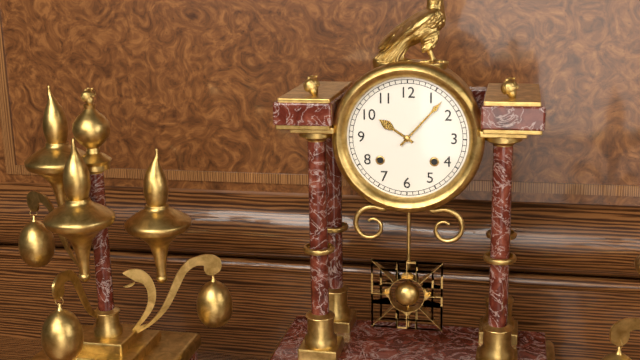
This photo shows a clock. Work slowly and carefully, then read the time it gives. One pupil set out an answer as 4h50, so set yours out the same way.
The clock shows 10h07
